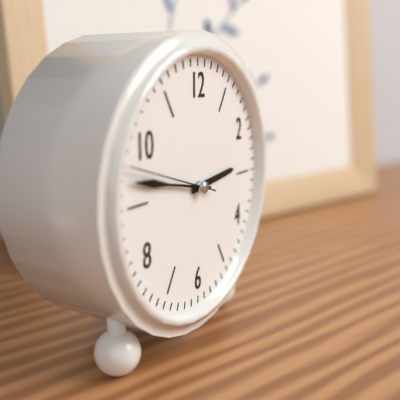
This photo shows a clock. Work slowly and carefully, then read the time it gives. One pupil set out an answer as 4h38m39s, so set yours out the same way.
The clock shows 2h47m48s
